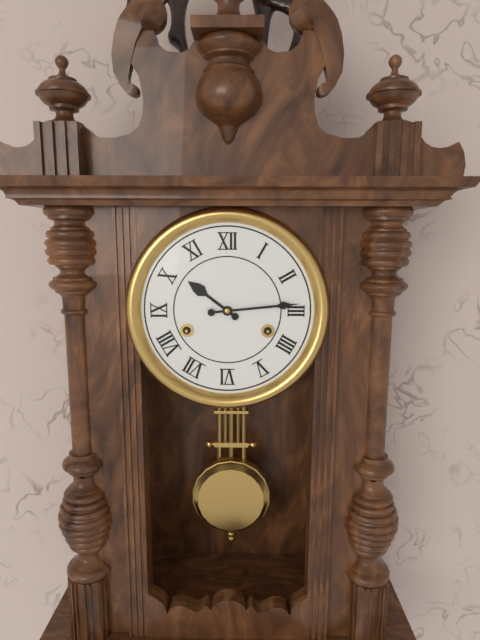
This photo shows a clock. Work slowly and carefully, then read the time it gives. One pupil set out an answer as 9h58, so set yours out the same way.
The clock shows 10h14
